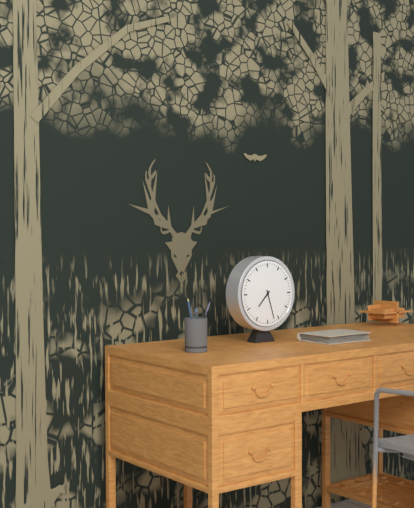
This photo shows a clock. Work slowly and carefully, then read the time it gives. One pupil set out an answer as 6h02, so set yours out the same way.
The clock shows 7h27
